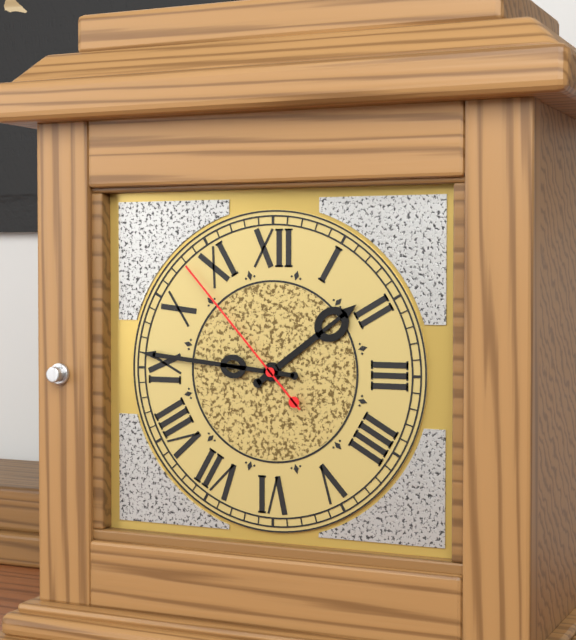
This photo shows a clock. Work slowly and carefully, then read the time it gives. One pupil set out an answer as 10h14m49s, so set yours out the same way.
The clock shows 1h46m53s
